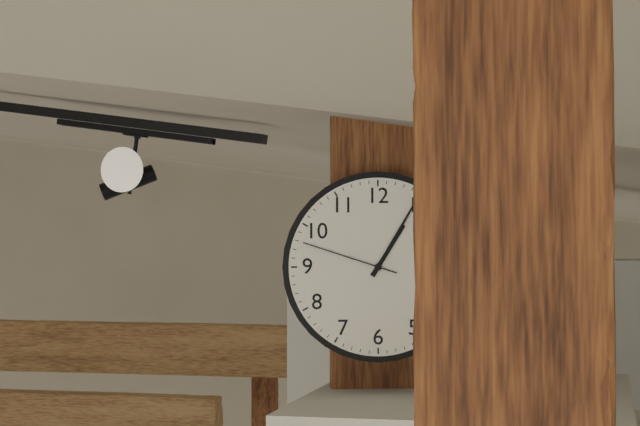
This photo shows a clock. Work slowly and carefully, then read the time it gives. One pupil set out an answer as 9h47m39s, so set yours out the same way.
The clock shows 1h05m48s
